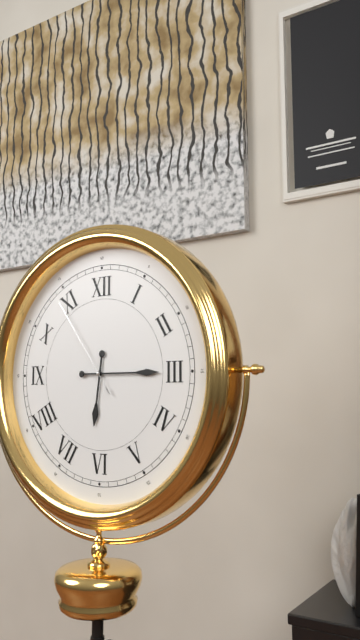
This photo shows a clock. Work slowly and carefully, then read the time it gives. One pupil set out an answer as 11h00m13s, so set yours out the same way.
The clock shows 6h15m54s
